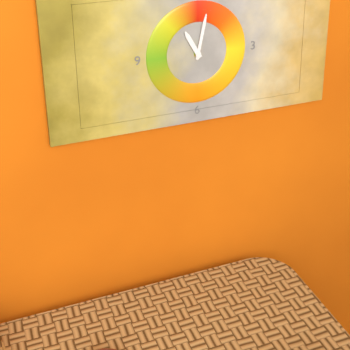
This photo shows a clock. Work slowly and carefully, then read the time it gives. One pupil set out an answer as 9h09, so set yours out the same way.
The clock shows 11h02
